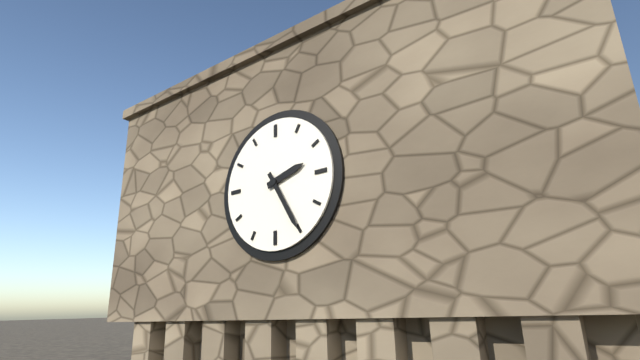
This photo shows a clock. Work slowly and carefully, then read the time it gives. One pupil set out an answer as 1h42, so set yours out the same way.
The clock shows 2h25
